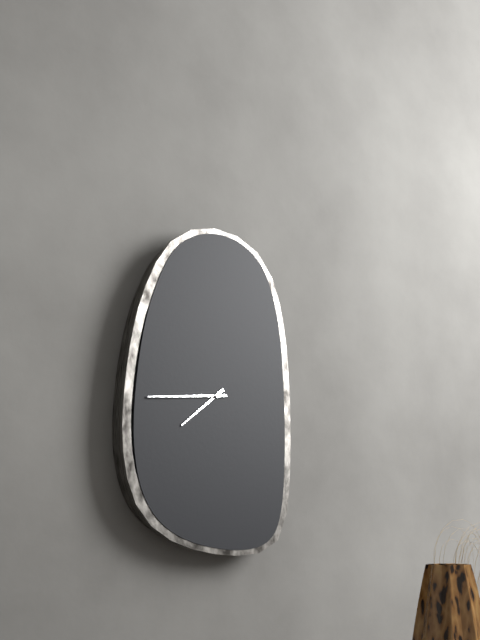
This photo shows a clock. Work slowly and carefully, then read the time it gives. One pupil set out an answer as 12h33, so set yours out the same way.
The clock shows 7h44
